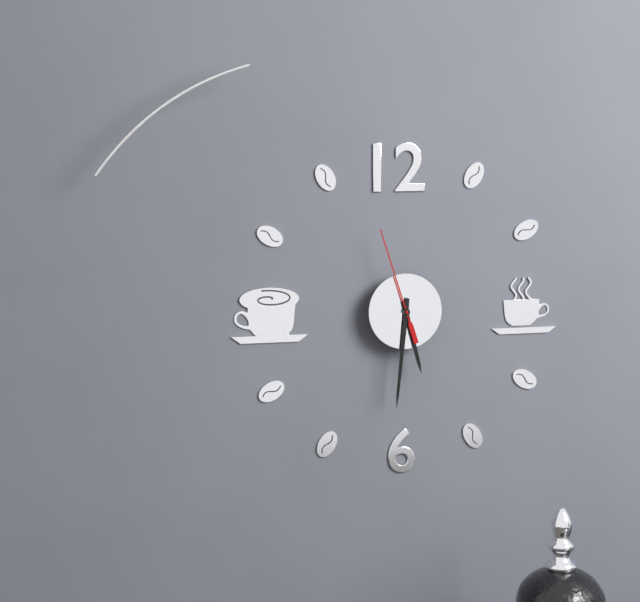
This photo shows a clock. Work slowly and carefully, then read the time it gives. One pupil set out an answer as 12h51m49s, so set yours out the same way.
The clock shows 5h31m57s
